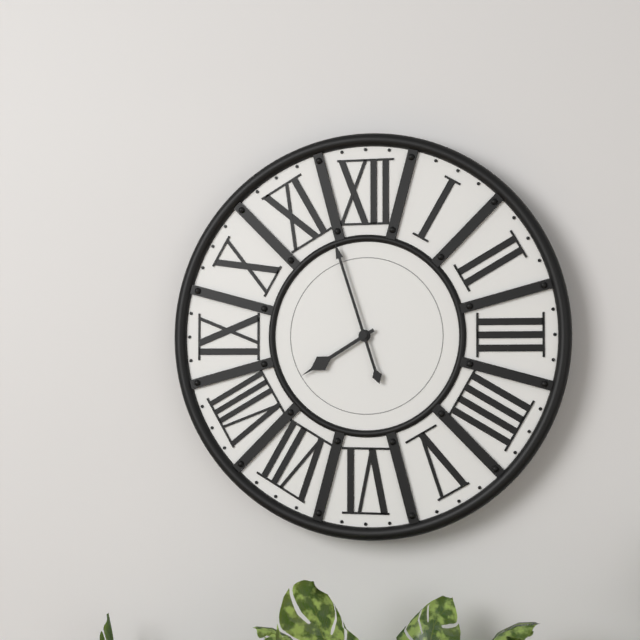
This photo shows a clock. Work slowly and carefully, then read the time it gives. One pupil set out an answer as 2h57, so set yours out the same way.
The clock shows 7h57
